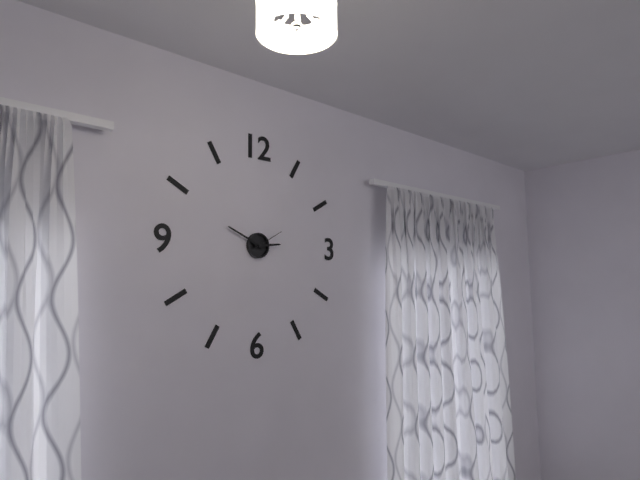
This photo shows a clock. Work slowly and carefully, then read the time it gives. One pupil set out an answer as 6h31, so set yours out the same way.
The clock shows 2h49
